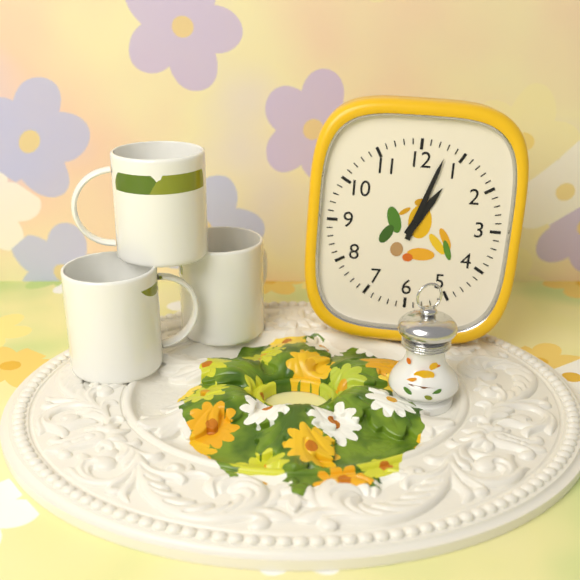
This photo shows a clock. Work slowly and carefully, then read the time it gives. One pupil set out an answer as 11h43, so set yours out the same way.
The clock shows 1h03
